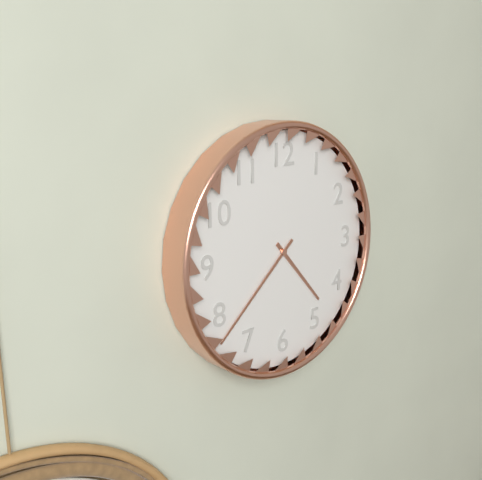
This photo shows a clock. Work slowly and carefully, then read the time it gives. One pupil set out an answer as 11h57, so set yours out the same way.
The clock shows 4h38
